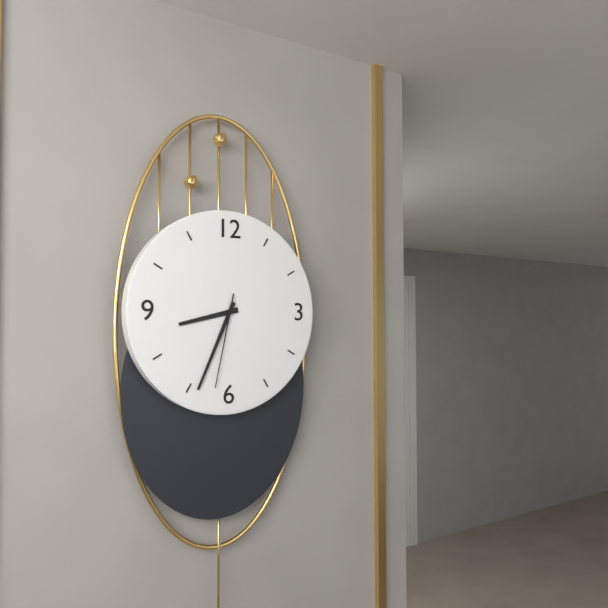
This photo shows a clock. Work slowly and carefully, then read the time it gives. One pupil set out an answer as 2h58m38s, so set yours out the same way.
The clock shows 8h34m32s
